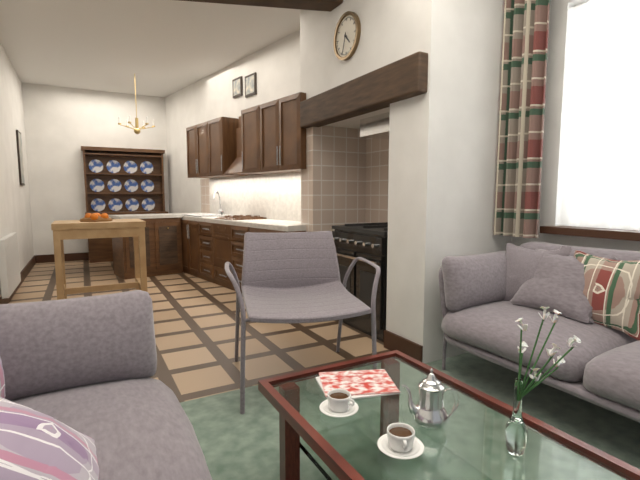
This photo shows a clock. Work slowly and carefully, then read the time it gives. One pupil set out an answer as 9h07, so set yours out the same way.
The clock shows 4h33
